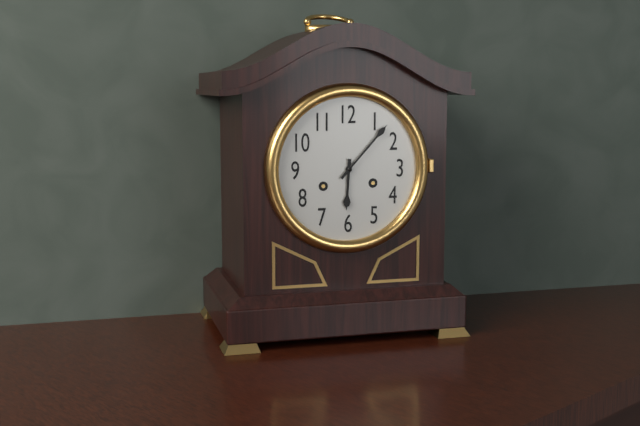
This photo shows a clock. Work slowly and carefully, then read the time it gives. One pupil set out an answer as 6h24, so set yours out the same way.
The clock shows 6h07
